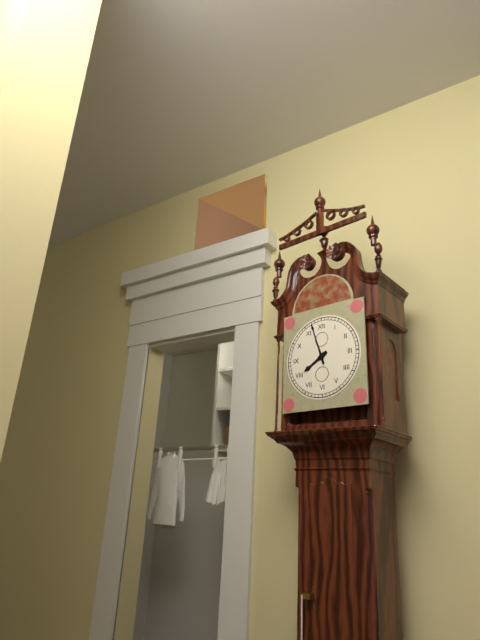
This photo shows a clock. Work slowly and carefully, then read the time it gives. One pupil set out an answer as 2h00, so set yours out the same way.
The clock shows 7h57
